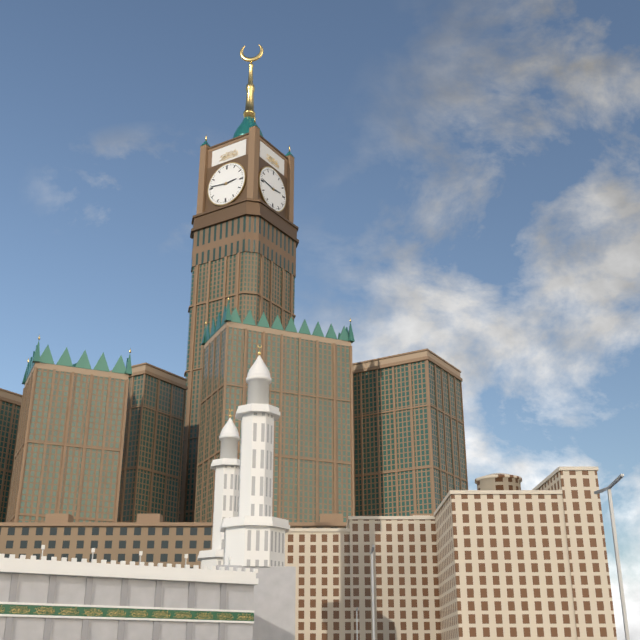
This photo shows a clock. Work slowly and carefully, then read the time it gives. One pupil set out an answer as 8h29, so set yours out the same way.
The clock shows 2h46
